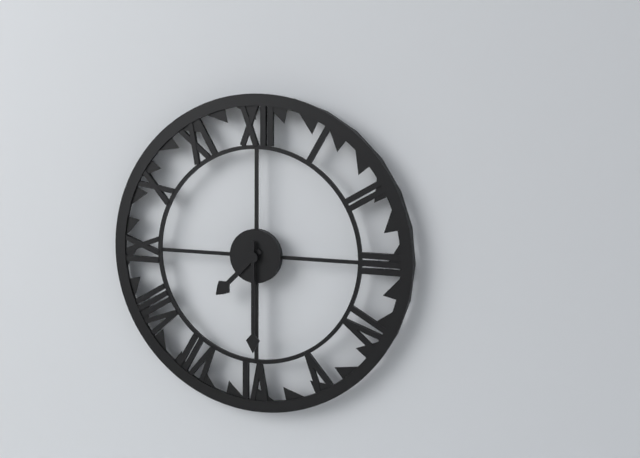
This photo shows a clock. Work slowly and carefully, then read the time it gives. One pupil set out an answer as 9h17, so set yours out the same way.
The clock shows 7h30
